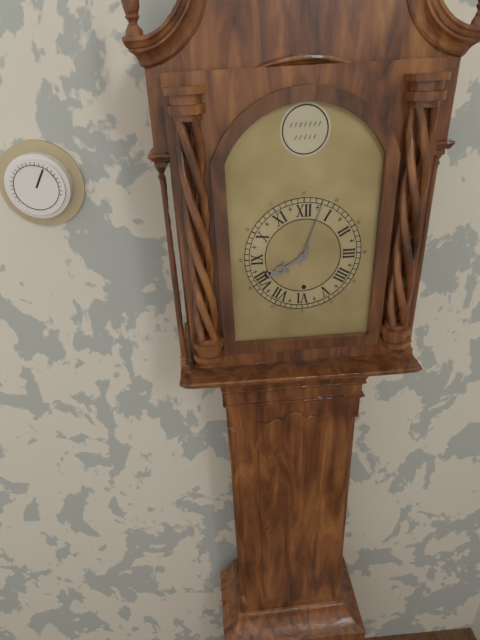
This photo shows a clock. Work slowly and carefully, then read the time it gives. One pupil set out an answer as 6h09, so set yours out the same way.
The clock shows 8h03
